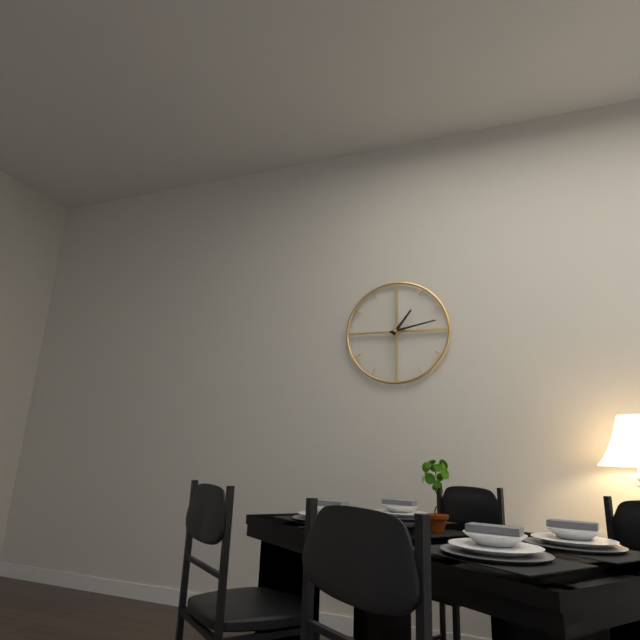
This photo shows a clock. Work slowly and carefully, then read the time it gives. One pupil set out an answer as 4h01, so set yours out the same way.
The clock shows 1h13
